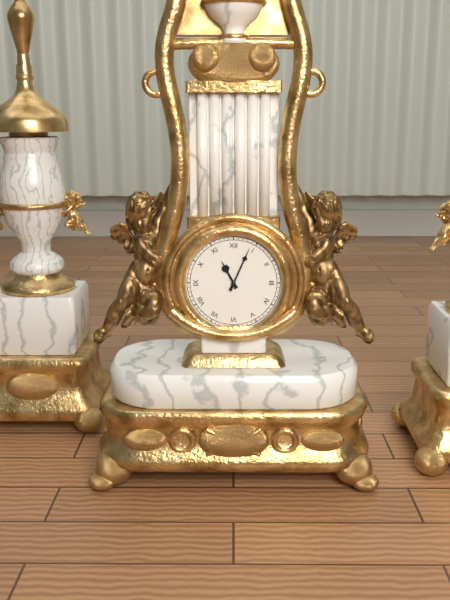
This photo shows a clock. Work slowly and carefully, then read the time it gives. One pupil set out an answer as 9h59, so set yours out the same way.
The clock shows 11h04
